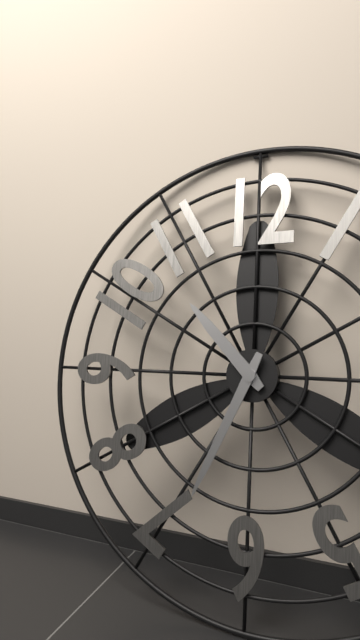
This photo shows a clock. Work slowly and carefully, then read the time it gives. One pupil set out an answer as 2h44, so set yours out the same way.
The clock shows 10h34
